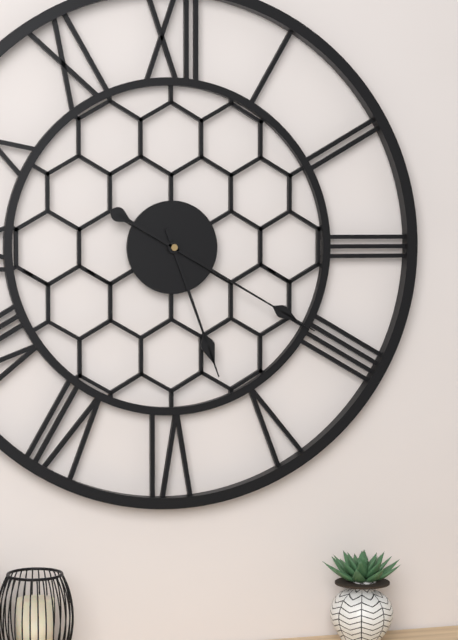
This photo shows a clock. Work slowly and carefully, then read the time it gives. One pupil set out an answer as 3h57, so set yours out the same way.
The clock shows 5h20
